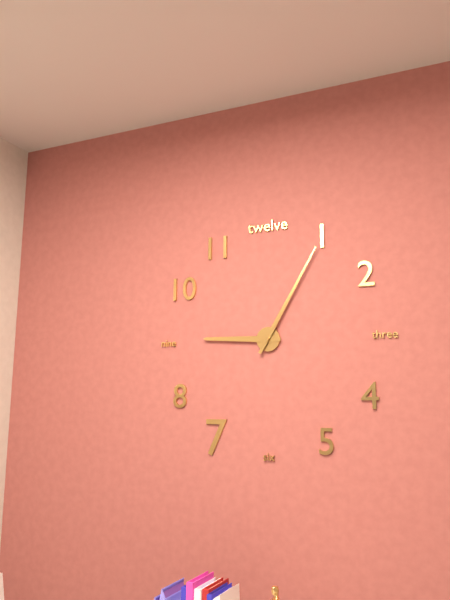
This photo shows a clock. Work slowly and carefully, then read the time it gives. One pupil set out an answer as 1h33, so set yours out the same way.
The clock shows 9h05
